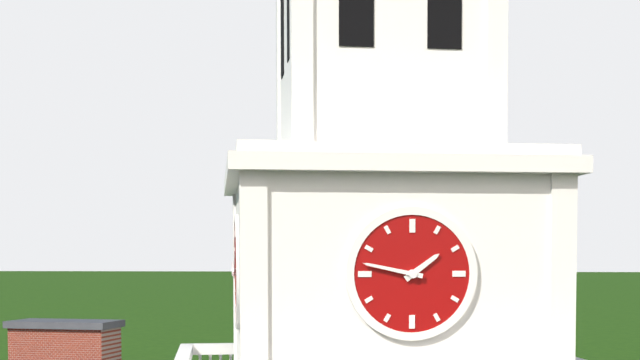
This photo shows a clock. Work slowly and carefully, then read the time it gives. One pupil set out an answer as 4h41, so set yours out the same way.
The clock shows 1h47
